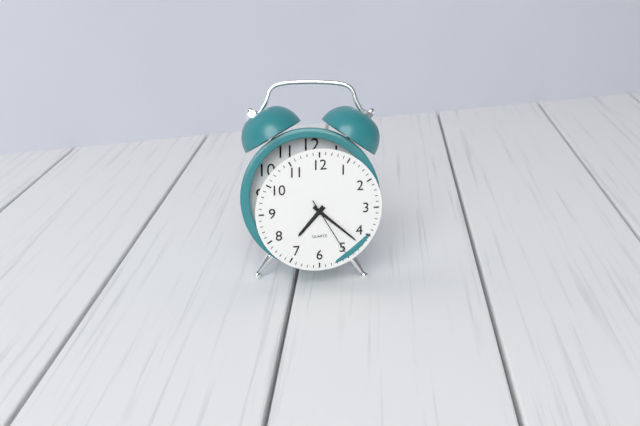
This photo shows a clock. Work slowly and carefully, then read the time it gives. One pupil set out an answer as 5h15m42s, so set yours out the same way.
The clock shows 7h22m25s
